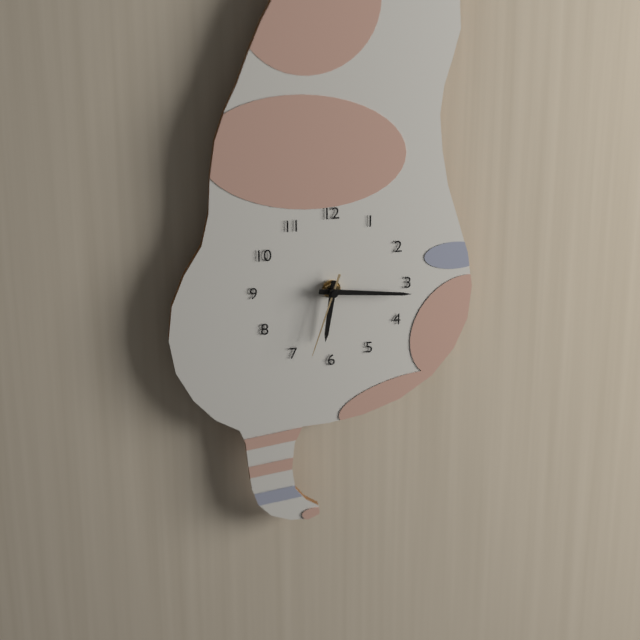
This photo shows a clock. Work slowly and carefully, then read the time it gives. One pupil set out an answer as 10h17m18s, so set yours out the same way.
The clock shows 6h16m33s
